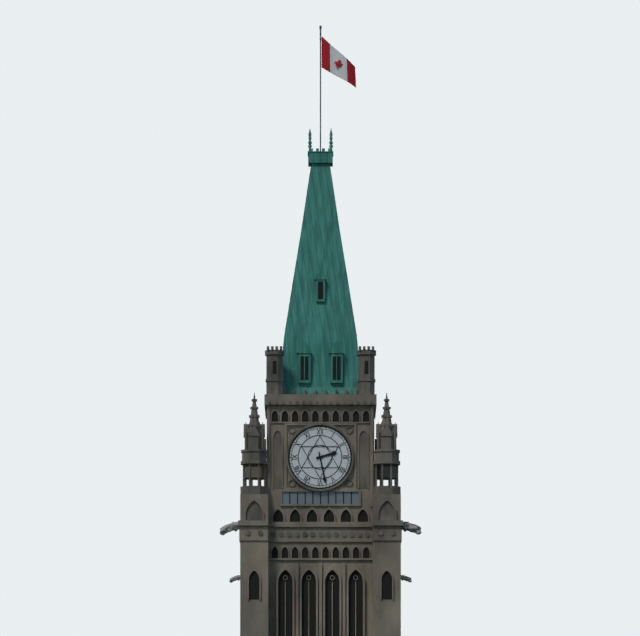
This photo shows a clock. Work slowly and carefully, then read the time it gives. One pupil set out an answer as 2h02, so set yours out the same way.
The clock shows 2h28
